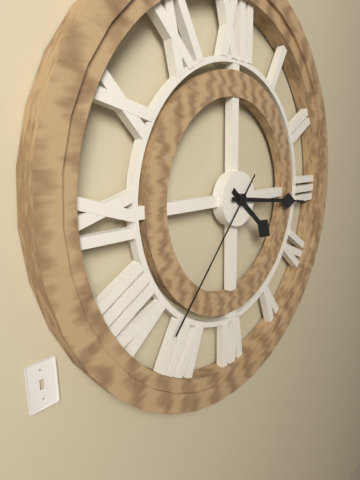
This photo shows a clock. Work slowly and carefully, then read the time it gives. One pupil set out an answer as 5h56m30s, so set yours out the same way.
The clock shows 4h16m37s
